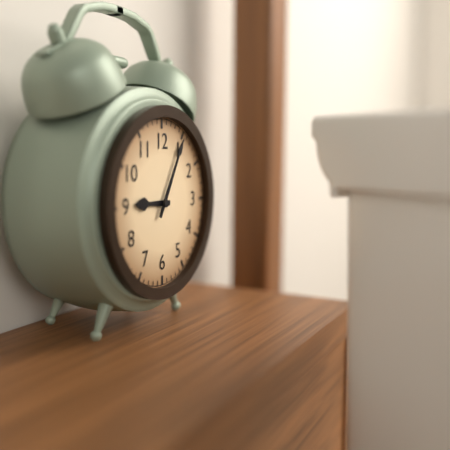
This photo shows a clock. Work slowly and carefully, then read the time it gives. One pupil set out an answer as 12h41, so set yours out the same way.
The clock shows 9h05
